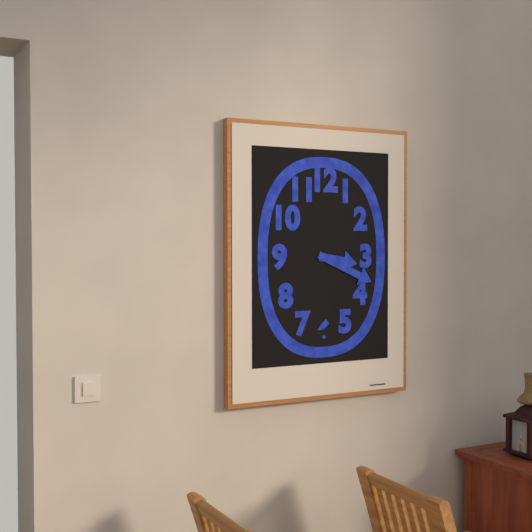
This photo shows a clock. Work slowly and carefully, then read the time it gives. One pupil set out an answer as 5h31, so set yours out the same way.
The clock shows 3h19
